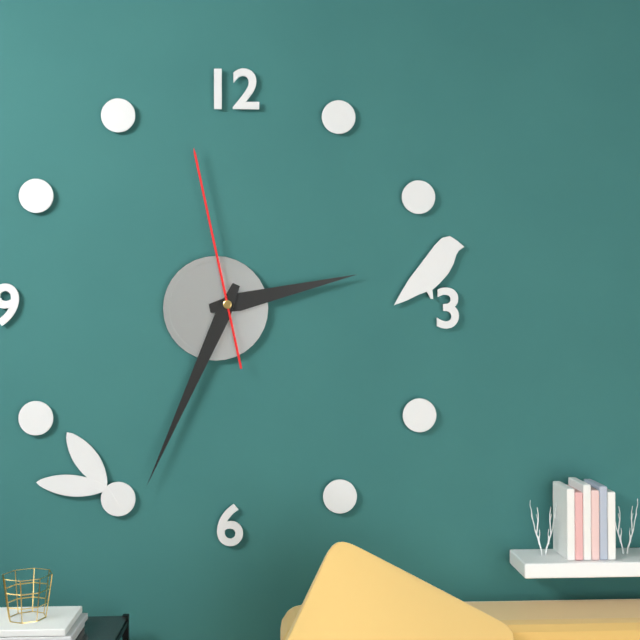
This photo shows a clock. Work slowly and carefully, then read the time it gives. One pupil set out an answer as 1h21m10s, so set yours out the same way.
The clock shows 2h34m58s
